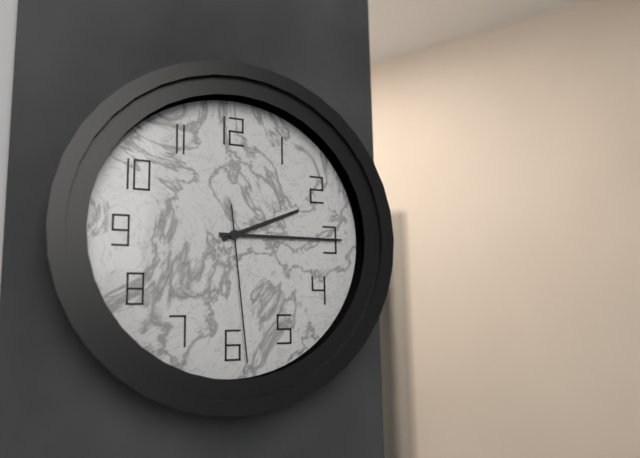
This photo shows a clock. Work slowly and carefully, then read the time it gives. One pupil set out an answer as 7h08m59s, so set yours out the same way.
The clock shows 2h15m29s
